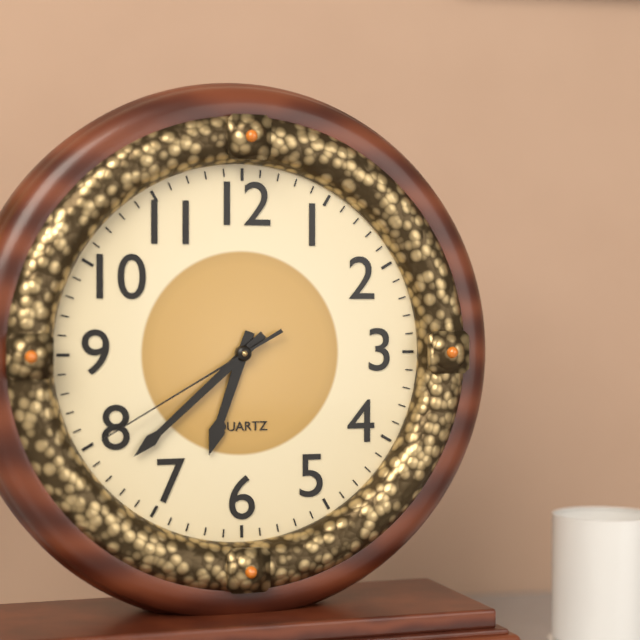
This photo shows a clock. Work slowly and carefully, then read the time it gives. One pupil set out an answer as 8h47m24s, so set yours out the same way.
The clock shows 6h38m40s
